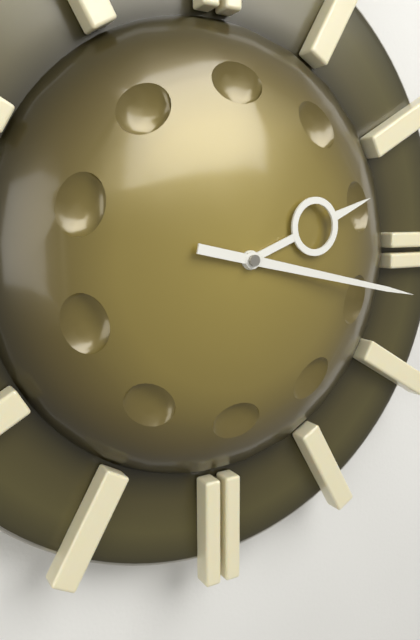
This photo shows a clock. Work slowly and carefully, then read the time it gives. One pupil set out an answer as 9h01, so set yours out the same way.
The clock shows 2h17
